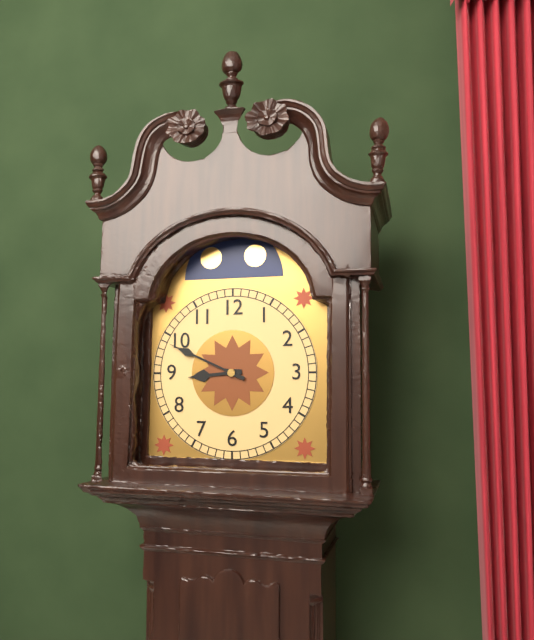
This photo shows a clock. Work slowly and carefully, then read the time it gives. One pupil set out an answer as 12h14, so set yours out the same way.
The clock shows 8h49
